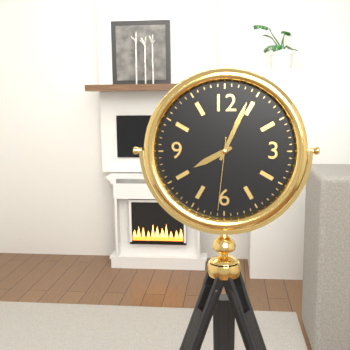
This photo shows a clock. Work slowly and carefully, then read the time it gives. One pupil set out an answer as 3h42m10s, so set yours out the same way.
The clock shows 8h04m31s
